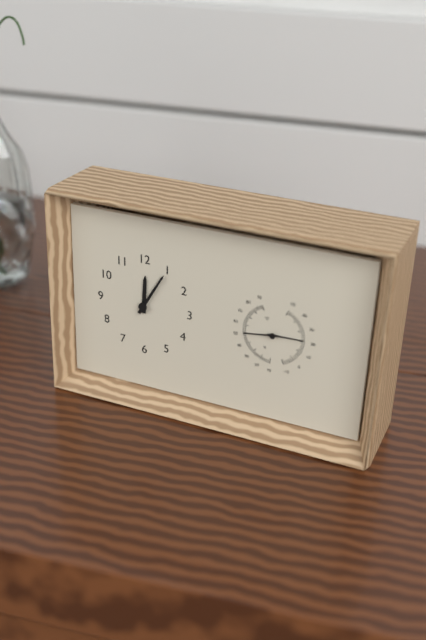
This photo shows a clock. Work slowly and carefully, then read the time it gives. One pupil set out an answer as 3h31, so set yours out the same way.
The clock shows 12h05
